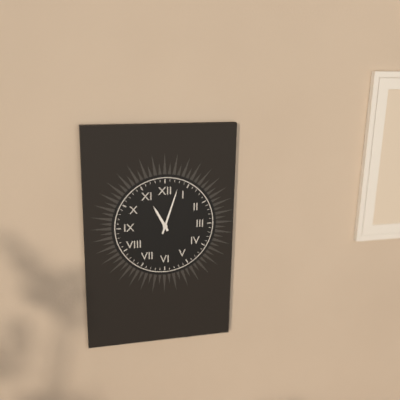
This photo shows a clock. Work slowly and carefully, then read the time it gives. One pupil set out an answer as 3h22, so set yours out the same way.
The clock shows 11h03
